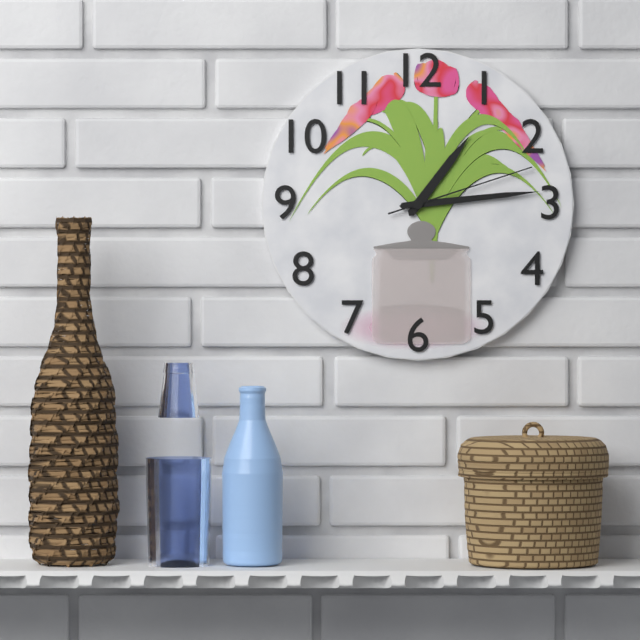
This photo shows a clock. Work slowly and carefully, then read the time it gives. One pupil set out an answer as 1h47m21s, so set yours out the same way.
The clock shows 1h14m12s
